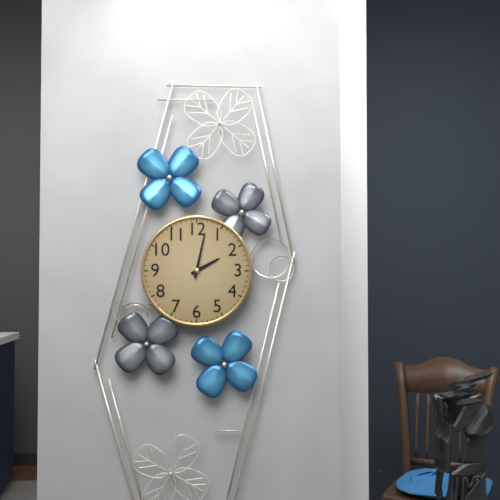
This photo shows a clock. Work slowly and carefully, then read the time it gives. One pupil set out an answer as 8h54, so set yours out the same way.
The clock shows 2h02
